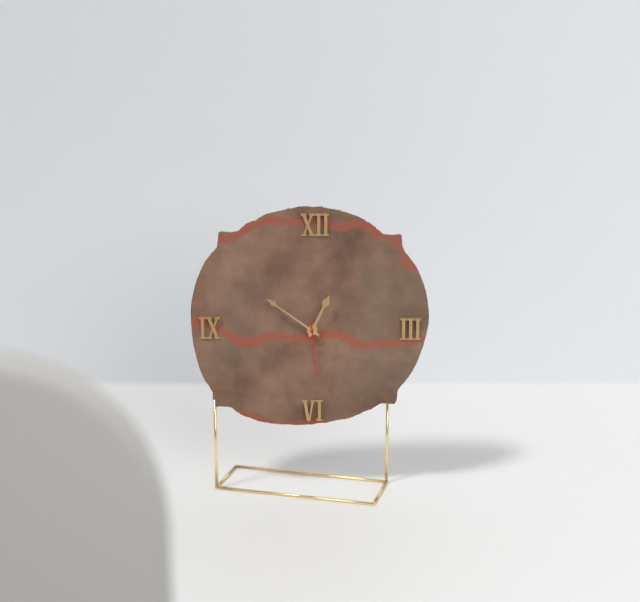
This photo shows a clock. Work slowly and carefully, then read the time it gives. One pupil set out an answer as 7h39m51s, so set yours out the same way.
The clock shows 12h51m29s
